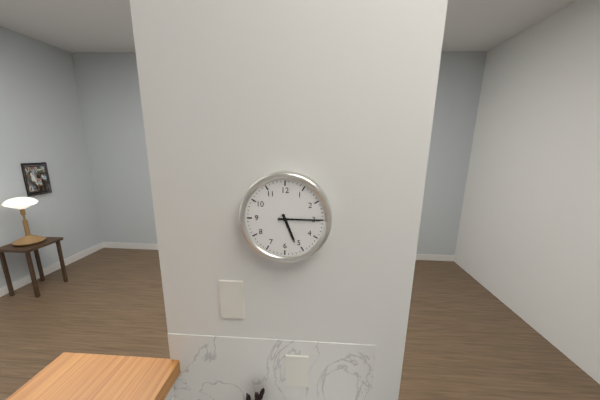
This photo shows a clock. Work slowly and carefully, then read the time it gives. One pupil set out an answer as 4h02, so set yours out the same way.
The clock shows 5h15
